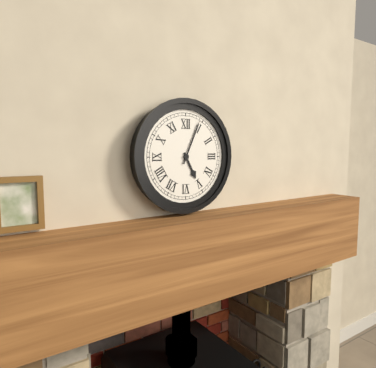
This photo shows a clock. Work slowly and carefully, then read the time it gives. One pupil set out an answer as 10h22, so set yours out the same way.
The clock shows 5h04
